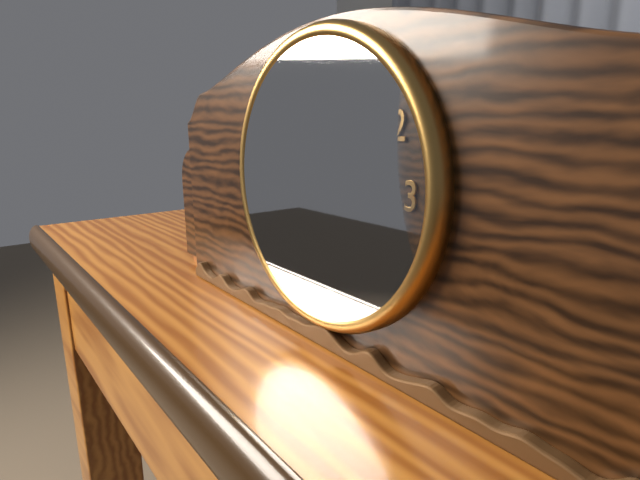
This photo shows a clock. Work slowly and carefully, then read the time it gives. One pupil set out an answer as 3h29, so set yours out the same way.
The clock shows 5h42
